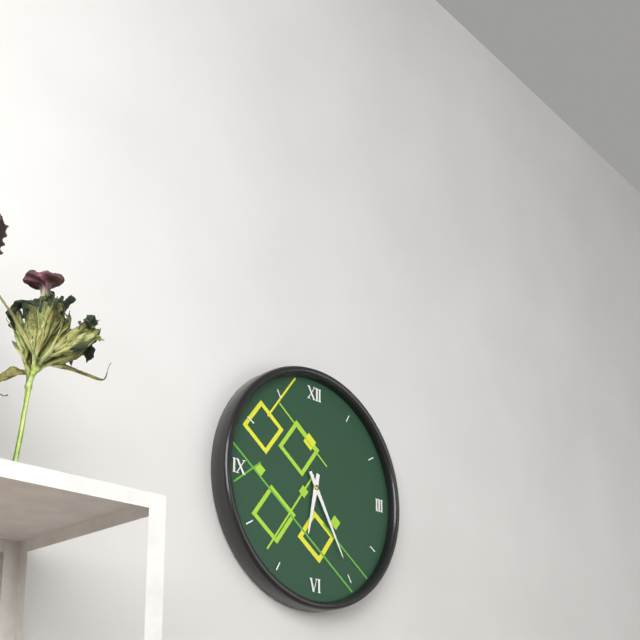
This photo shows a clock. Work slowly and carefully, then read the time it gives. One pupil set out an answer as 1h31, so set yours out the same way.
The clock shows 6h25
